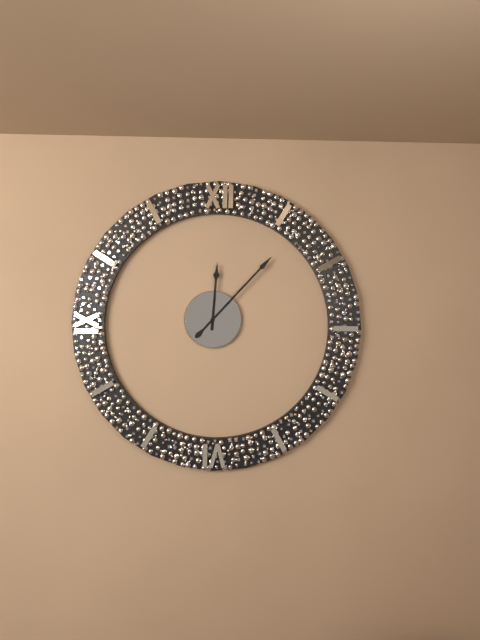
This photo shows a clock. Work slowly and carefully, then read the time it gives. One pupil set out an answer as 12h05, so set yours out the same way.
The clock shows 12h07
